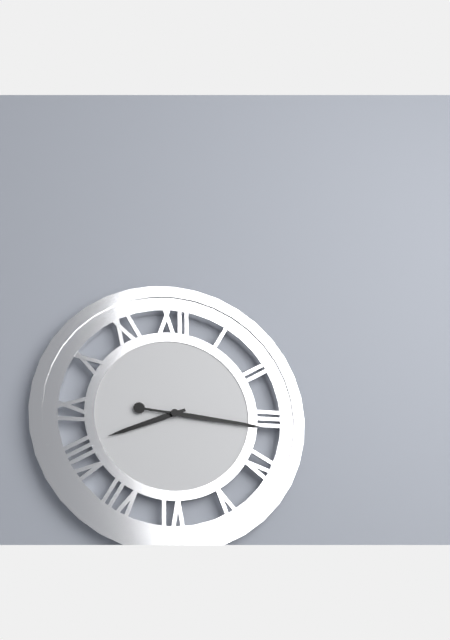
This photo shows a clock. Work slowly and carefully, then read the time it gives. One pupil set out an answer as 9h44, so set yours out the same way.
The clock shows 8h16
